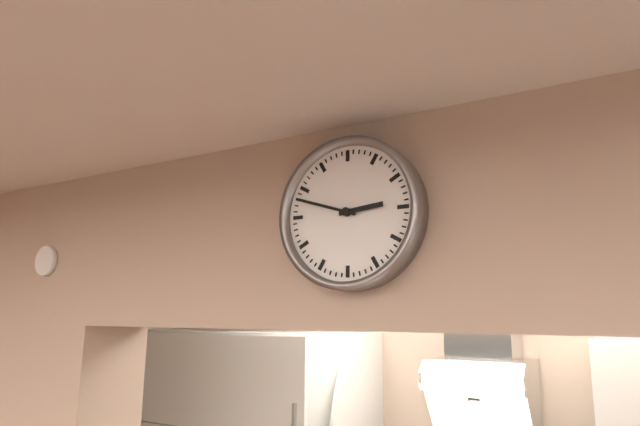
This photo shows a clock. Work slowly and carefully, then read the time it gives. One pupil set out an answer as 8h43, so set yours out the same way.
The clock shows 2h48
